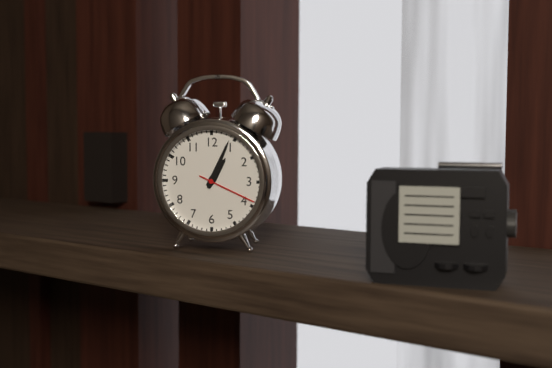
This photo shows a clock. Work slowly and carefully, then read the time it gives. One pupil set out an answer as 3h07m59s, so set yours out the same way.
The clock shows 1h04m19s
